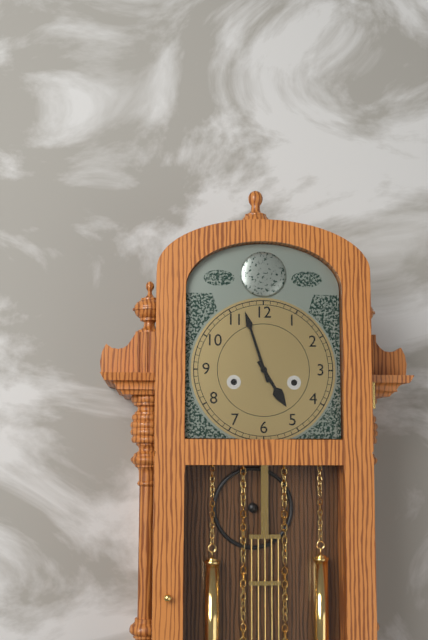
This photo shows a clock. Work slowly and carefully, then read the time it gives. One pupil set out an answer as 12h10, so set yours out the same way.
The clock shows 4h57
